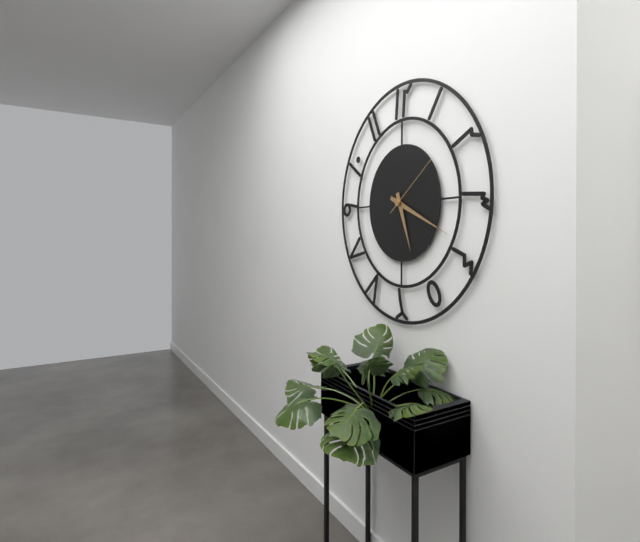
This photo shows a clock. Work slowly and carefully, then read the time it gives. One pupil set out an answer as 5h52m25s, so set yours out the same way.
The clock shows 5h19m09s
